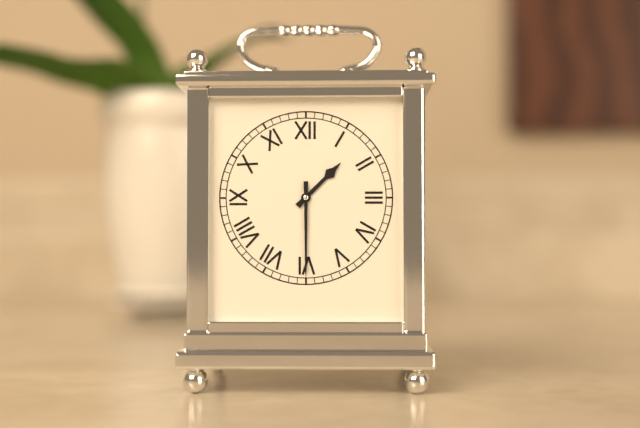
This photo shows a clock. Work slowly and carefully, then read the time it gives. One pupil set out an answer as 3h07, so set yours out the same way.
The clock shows 1h30
